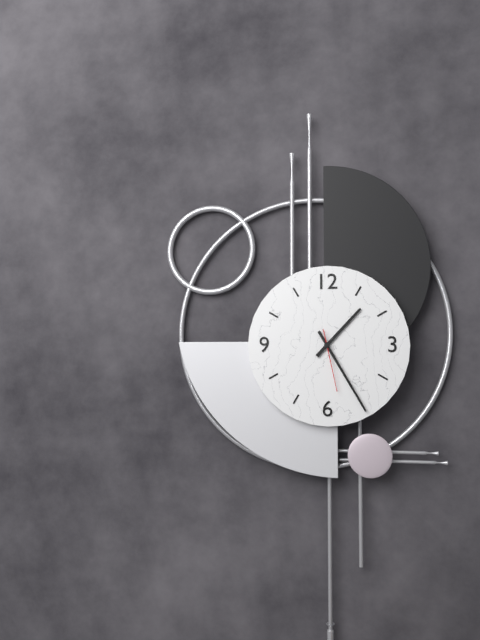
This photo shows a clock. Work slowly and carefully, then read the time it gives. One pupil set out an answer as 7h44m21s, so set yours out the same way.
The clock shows 1h25m28s
